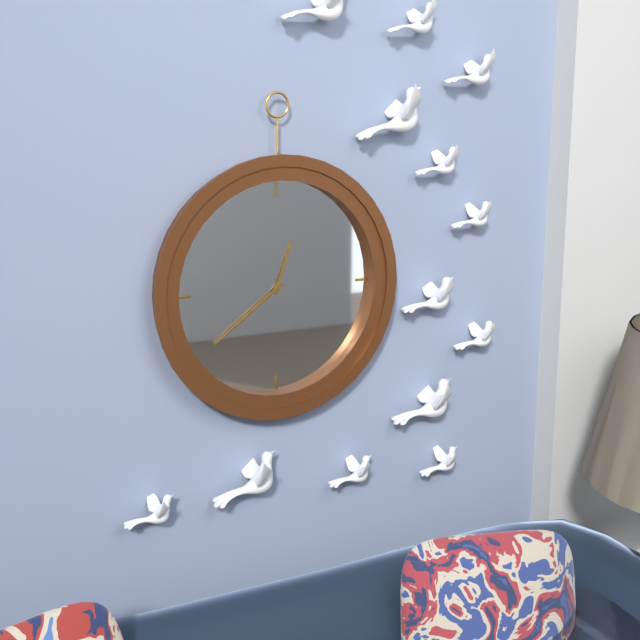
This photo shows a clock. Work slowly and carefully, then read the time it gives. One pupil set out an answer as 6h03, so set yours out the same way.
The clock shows 12h39
